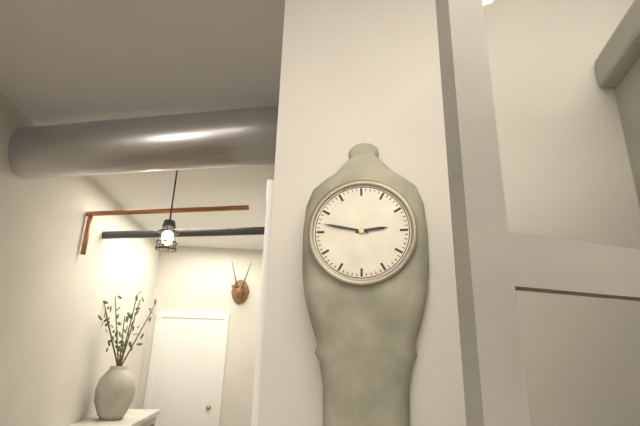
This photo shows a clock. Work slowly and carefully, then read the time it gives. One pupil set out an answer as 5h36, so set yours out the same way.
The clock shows 2h47
